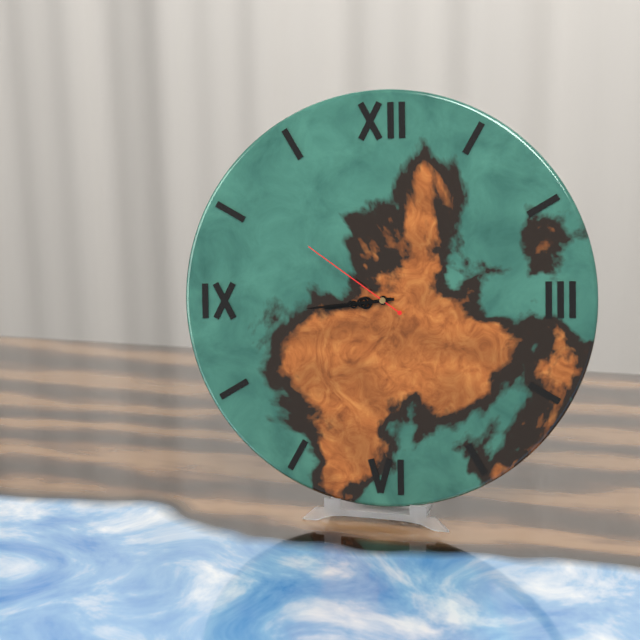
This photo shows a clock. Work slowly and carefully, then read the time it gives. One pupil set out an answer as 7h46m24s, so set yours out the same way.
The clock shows 8h44m51s
